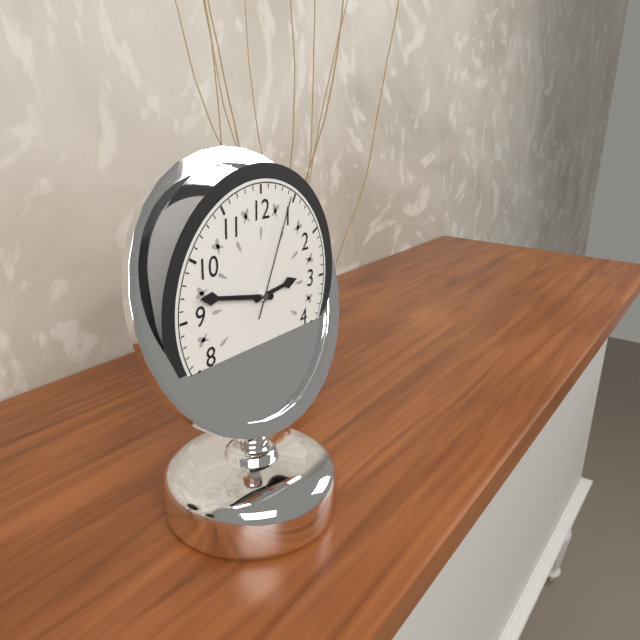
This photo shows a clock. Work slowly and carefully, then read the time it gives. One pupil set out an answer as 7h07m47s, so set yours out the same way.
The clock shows 2h47m04s
